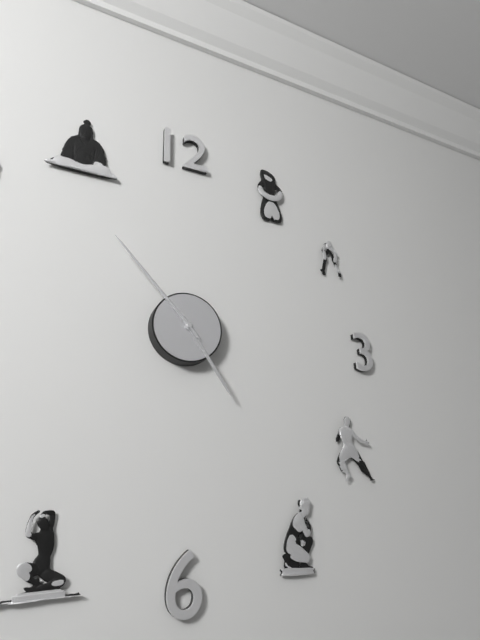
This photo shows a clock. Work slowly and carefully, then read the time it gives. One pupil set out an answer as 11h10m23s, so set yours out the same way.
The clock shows 4h53m53s
